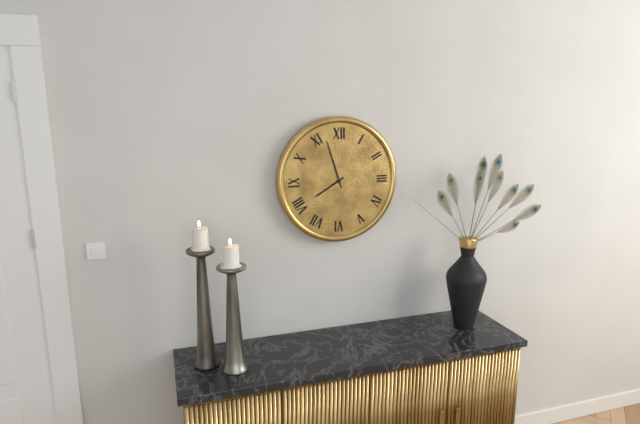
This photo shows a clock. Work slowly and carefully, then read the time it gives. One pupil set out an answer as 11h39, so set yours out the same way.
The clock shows 7h57
